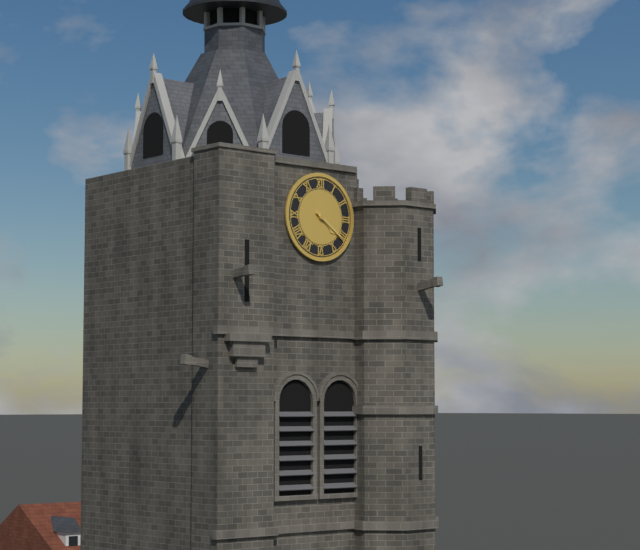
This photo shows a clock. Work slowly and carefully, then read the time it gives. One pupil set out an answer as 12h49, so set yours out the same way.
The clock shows 4h21
